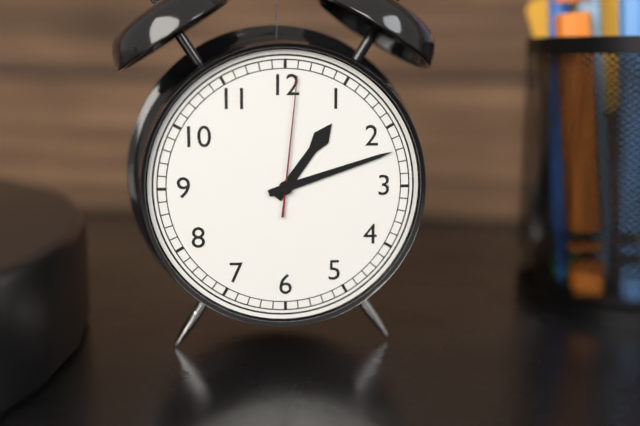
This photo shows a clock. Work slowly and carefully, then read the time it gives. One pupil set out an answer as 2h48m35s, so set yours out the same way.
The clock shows 1h12m01s
